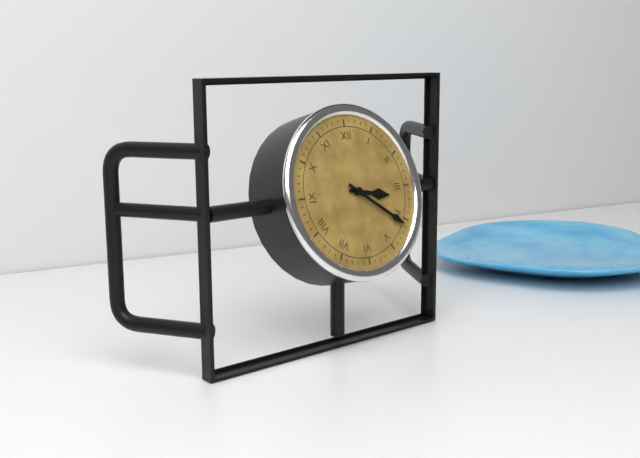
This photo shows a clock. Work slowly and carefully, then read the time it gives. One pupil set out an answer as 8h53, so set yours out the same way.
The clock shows 3h21
